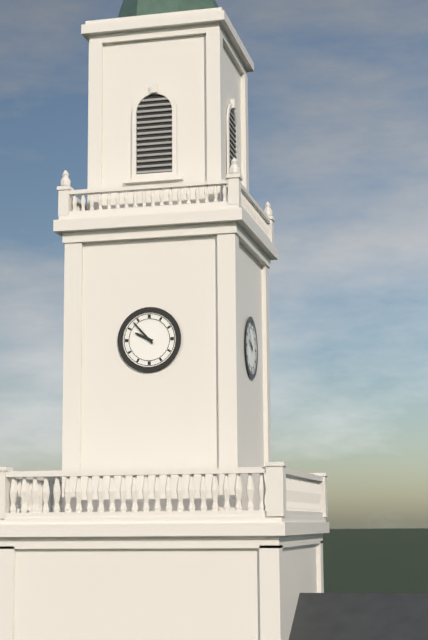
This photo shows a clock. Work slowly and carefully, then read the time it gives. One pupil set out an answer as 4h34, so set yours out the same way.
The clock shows 9h53
